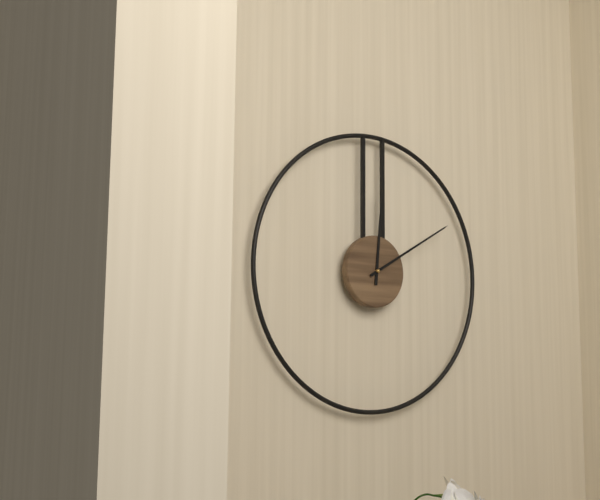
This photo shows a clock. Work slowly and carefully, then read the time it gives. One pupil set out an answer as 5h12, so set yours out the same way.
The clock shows 12h10
